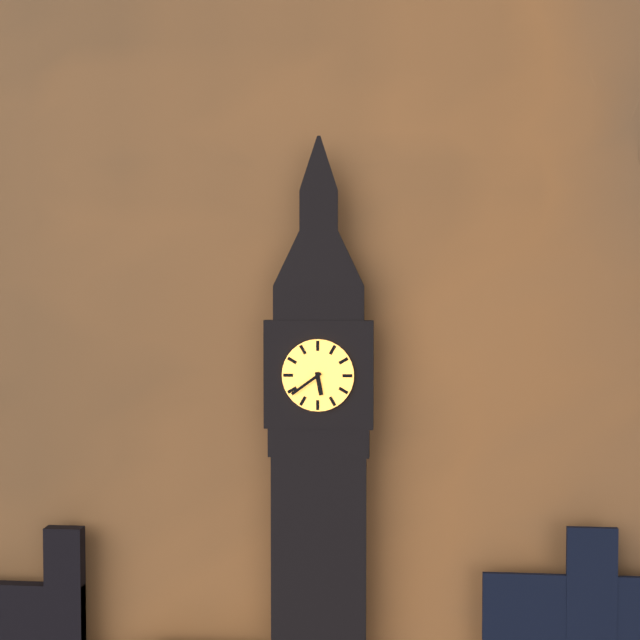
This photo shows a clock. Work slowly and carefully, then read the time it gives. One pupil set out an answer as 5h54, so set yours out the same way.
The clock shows 5h39
